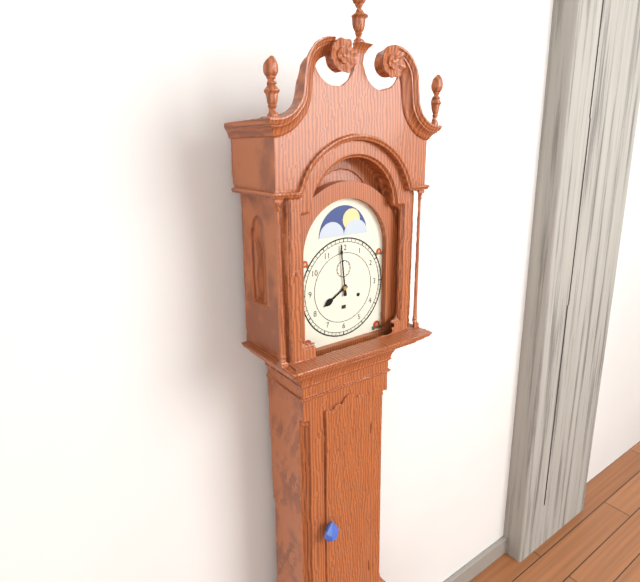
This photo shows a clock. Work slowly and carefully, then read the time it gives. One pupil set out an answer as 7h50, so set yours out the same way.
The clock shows 7h59
